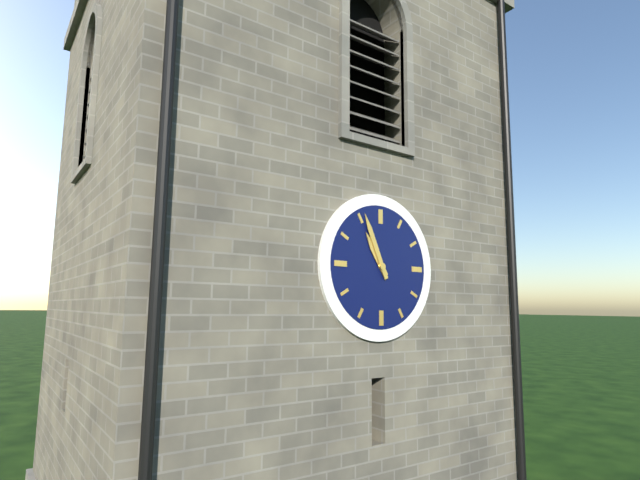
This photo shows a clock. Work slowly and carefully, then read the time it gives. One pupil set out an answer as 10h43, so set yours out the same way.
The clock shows 10h56
